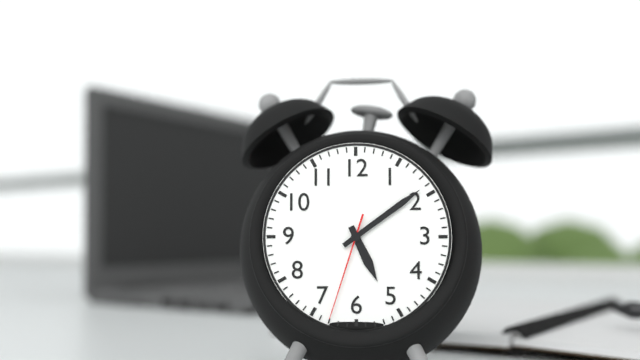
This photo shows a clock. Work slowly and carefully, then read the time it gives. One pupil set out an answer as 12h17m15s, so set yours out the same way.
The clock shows 5h09m33s
